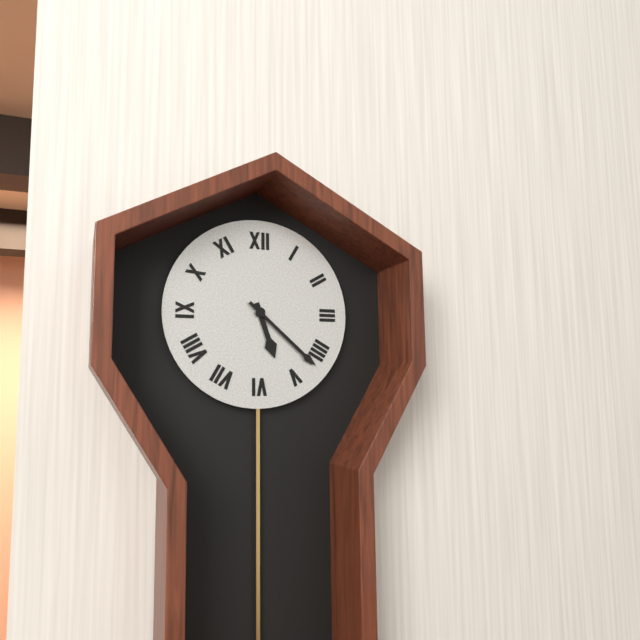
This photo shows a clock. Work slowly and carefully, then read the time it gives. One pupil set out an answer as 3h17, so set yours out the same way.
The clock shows 5h22
